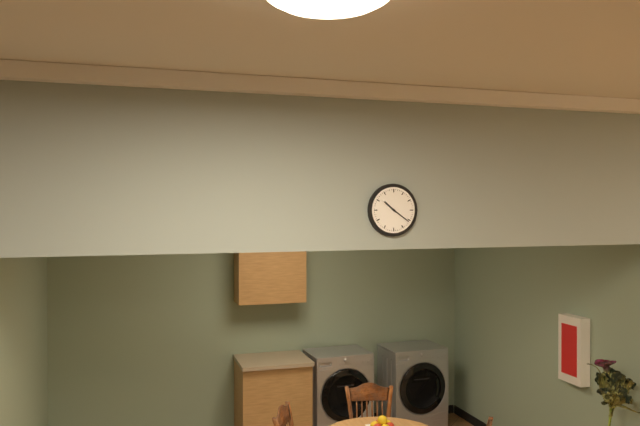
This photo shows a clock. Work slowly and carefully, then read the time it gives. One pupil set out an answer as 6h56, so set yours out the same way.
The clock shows 10h21
